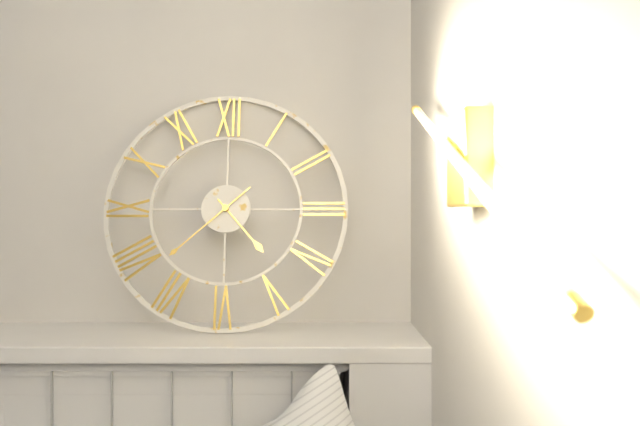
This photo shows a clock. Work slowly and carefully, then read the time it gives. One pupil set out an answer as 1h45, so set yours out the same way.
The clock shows 4h38
